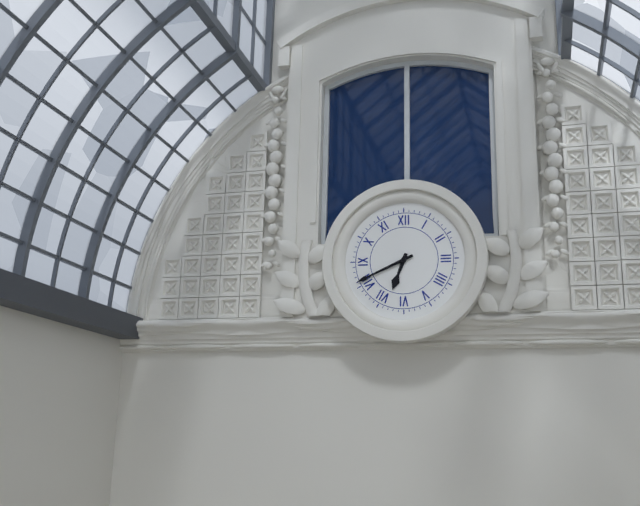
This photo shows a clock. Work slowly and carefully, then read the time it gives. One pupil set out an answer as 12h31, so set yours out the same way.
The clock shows 6h41
